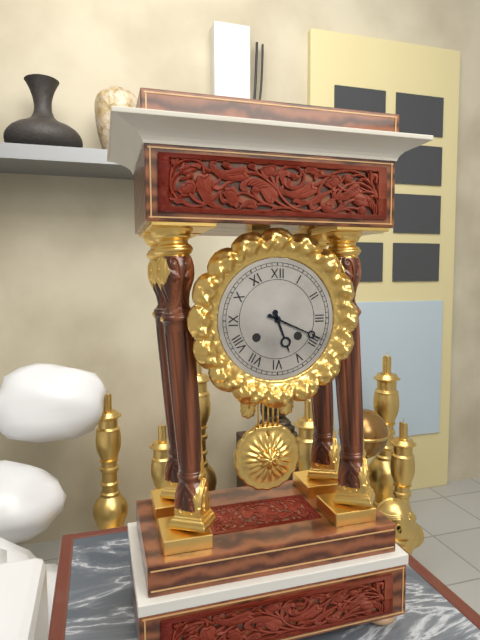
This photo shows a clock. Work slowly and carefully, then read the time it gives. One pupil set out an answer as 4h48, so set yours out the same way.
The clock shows 5h19
